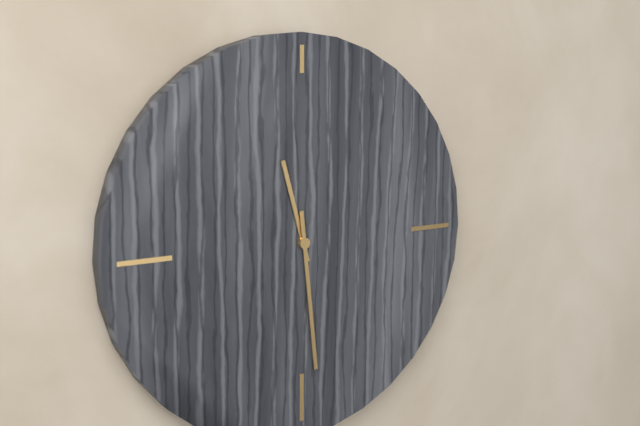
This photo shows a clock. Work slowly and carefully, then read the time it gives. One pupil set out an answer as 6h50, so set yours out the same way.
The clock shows 11h29
